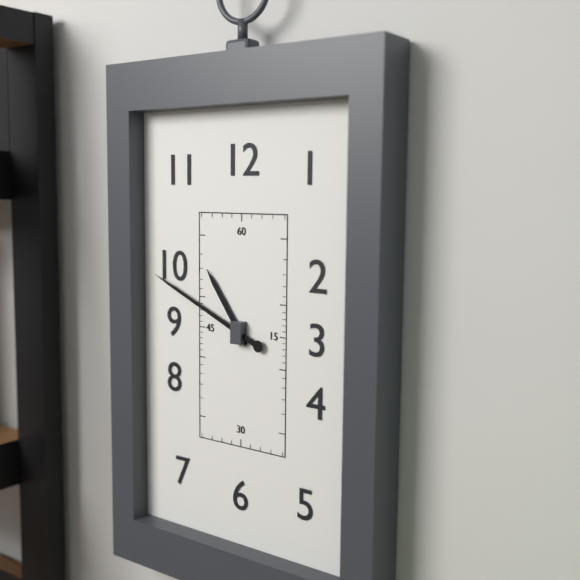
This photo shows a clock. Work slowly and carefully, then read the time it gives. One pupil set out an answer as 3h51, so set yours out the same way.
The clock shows 10h49
